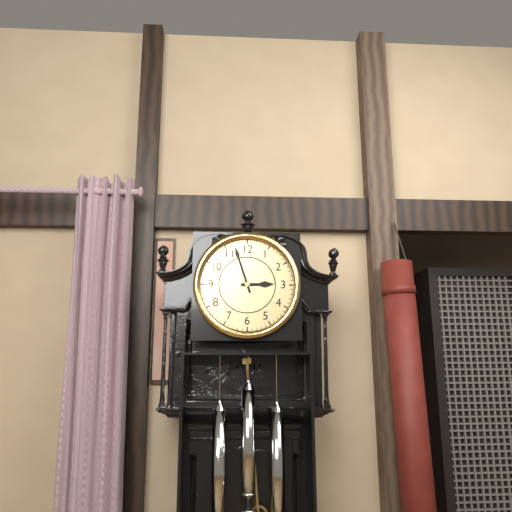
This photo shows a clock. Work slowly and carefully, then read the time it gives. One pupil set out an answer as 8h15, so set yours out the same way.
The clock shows 2h57
